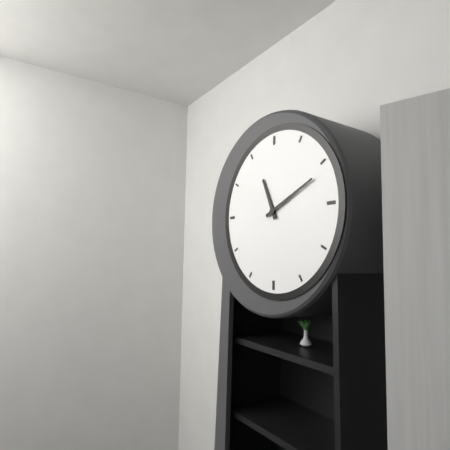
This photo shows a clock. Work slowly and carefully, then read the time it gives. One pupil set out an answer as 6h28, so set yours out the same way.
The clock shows 11h11
